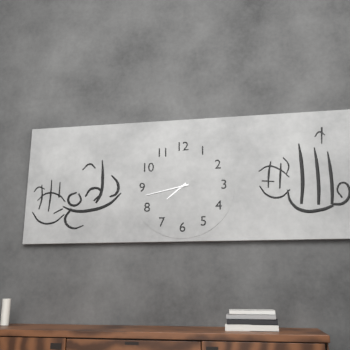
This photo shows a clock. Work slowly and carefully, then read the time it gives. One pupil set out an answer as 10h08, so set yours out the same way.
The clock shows 7h43
